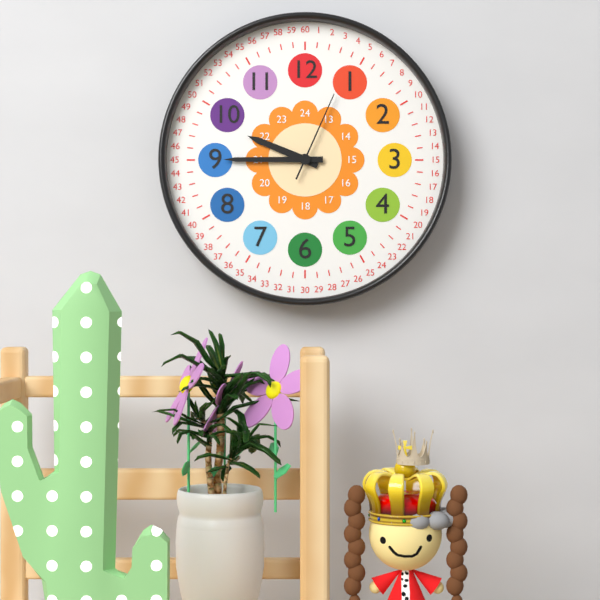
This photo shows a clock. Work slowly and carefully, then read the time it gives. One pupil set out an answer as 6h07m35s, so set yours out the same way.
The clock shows 9h45m04s
